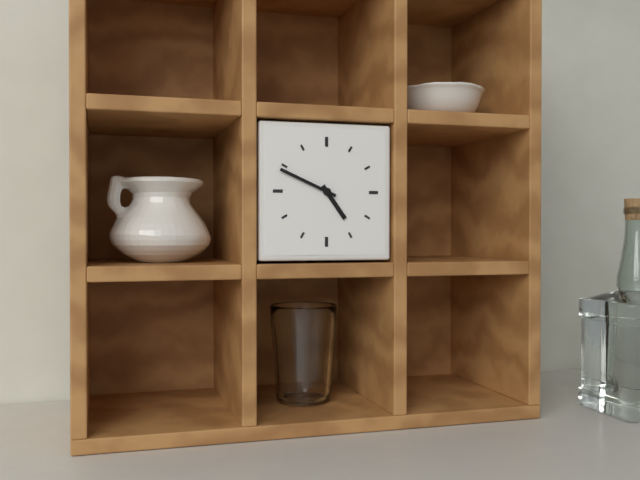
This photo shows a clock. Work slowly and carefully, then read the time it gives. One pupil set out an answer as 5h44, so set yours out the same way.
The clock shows 4h49
